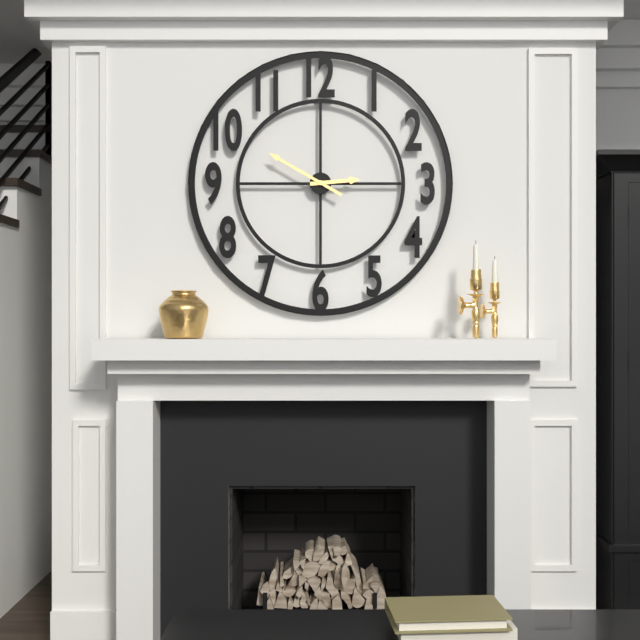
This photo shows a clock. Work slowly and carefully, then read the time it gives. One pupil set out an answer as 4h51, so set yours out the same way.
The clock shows 2h50
